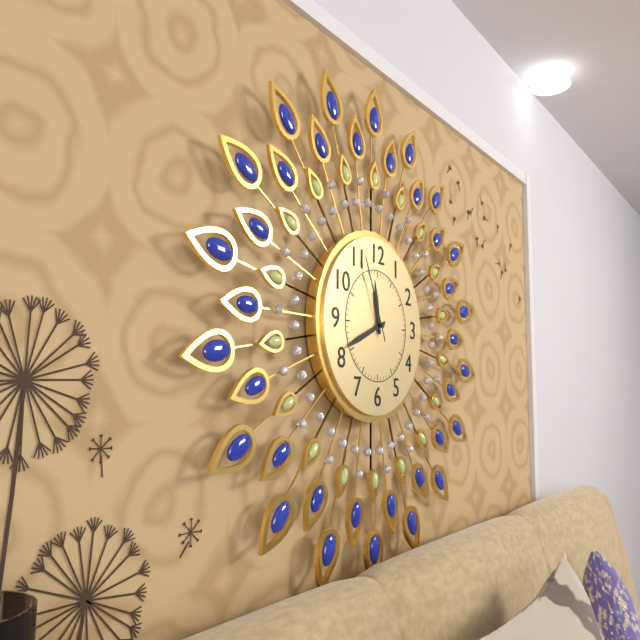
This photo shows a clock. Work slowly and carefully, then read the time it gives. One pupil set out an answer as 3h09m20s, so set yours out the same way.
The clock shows 11h41m56s
